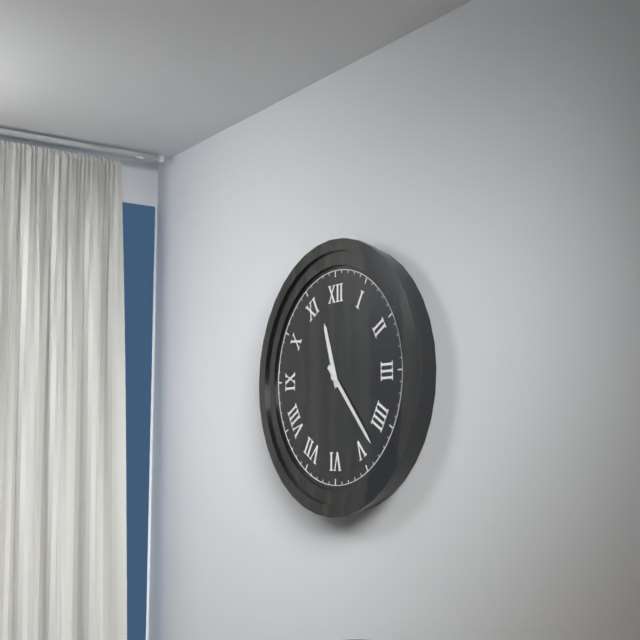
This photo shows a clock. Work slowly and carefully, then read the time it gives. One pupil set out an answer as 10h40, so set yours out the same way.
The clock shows 11h23
